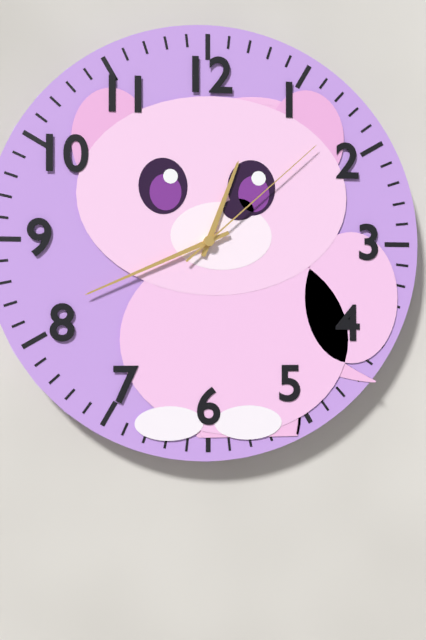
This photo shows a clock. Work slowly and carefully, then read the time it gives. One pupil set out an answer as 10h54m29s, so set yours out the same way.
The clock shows 12h41m08s
